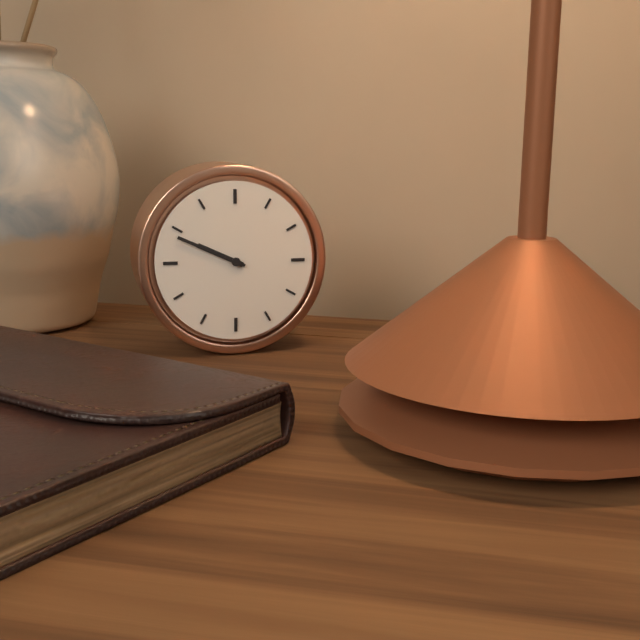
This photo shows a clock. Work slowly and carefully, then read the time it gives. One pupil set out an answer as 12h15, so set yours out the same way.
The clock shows 9h49
